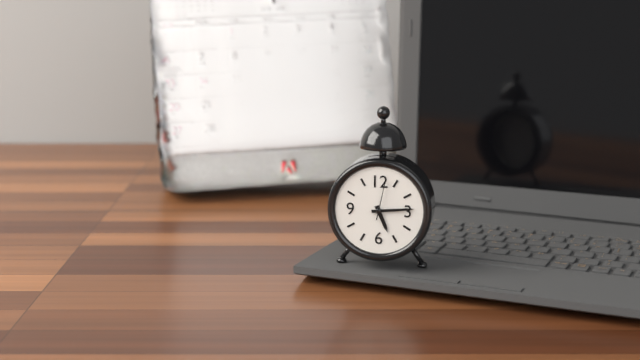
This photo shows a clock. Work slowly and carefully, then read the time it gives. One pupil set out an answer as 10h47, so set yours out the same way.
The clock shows 5h14
